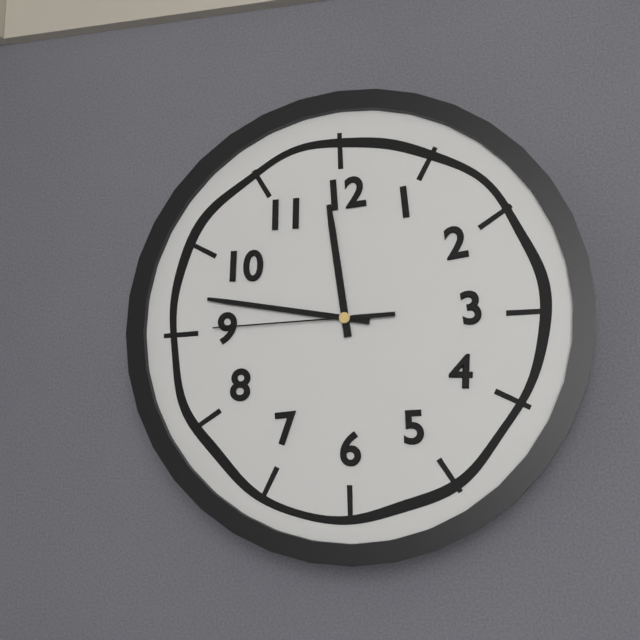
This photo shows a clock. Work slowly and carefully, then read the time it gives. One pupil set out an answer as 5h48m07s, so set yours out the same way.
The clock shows 11h47m45s
